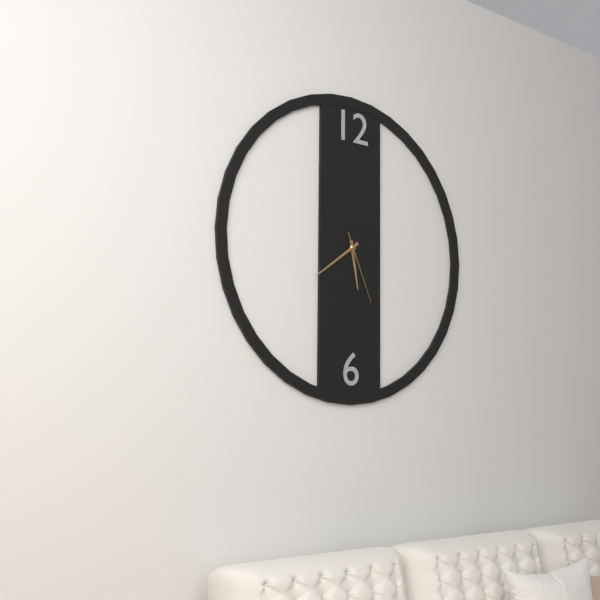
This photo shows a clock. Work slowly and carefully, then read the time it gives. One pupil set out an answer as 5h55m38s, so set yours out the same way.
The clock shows 5h39m26s
